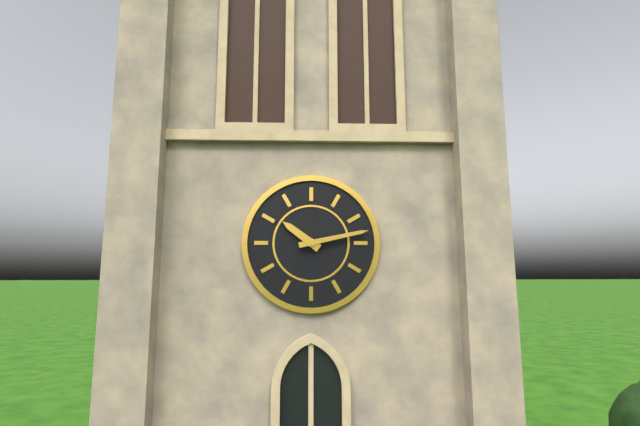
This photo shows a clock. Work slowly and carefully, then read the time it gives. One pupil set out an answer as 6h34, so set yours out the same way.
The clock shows 10h13
